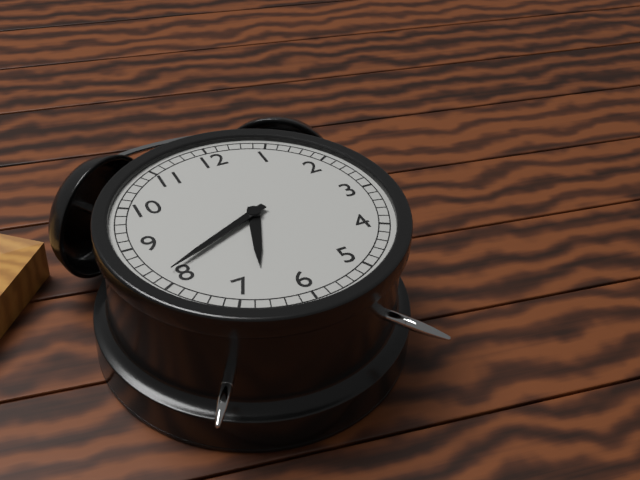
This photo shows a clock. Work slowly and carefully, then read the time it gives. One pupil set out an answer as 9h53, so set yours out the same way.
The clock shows 6h41
